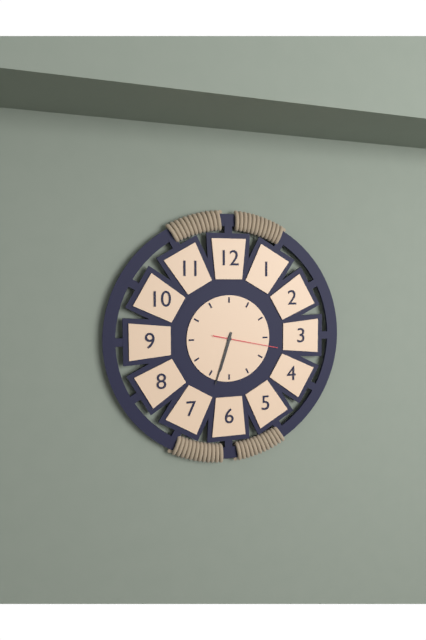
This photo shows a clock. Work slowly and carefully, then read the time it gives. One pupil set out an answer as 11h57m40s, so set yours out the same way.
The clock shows 6h33m17s
